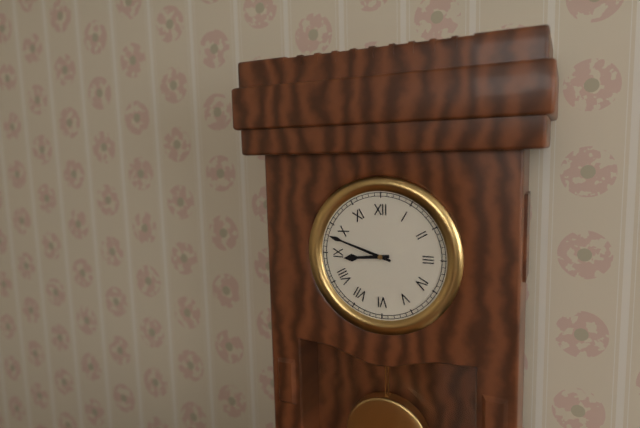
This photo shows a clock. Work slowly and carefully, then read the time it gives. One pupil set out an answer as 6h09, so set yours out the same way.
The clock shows 8h48
